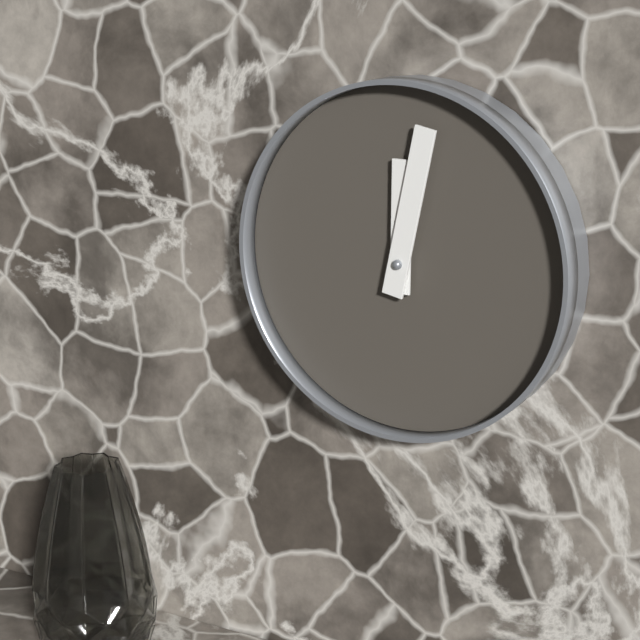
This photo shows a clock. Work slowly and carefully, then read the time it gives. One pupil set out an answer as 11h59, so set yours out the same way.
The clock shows 12h02
